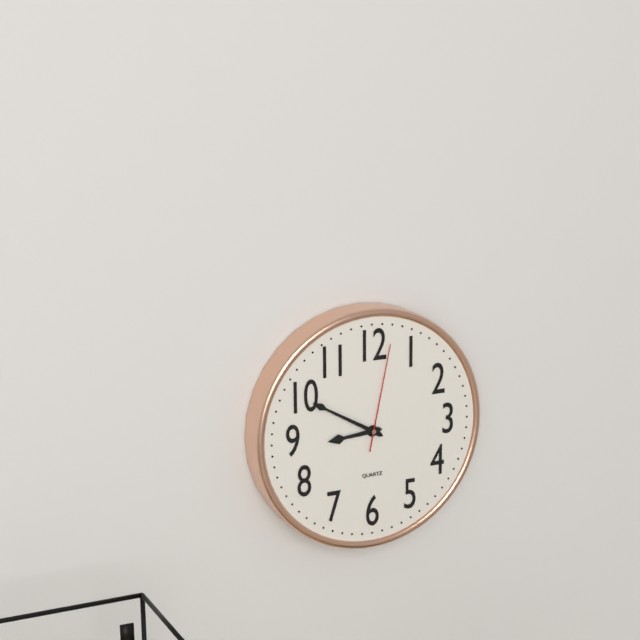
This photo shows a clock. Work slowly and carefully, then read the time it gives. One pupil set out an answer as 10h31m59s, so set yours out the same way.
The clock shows 8h50m02s
